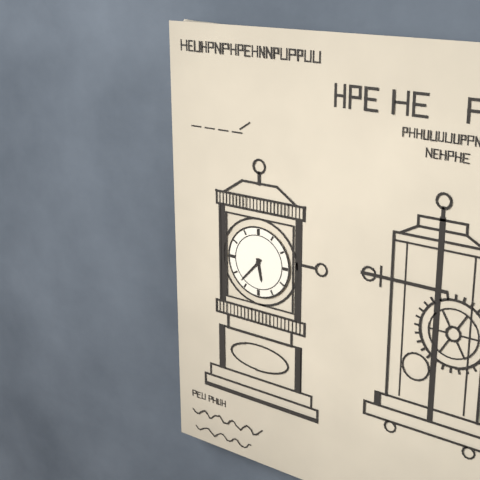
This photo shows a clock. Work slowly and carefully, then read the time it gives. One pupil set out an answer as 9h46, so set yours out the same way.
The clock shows 5h37
